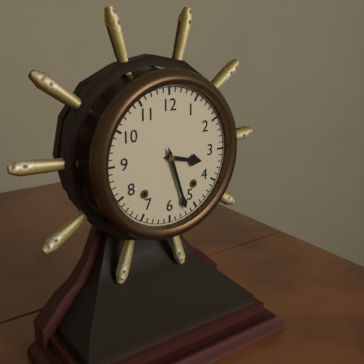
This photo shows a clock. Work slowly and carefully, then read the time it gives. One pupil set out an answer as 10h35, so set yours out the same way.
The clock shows 3h27
